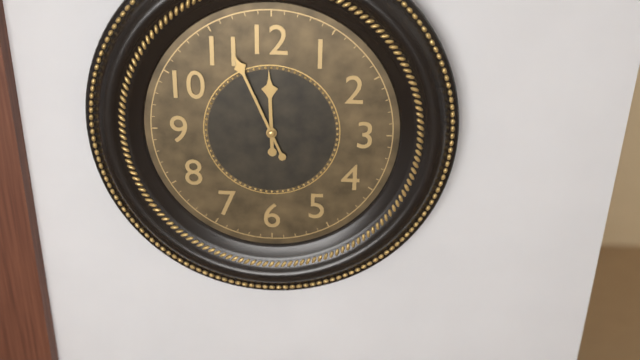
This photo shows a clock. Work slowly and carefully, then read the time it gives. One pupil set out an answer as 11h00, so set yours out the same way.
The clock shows 11h56
